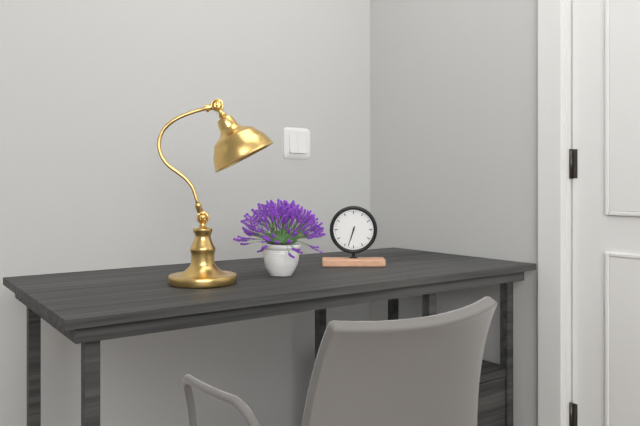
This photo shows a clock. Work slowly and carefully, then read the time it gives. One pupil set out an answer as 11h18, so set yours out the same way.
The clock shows 6h33
